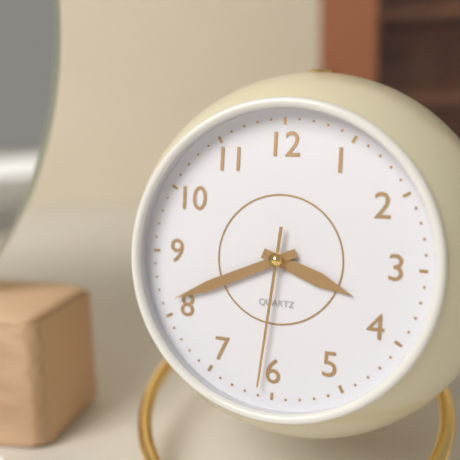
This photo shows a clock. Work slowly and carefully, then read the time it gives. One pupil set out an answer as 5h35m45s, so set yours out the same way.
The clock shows 3h41m31s
